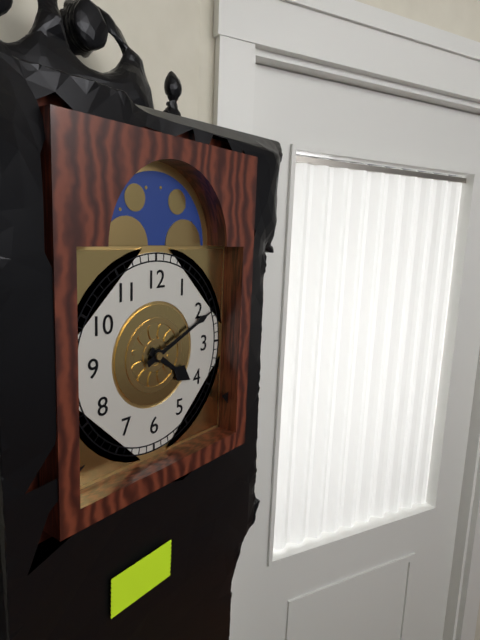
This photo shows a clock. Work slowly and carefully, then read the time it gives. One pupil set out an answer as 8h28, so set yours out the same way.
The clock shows 4h11
